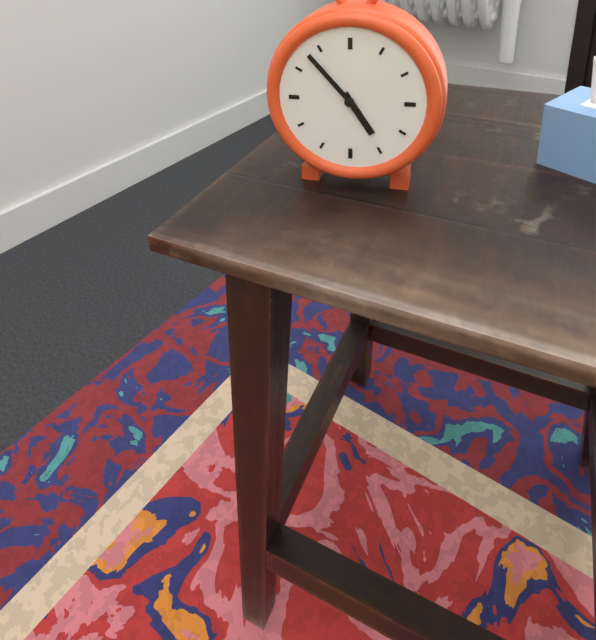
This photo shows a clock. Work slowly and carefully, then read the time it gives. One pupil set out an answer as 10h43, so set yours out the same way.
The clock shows 4h53
